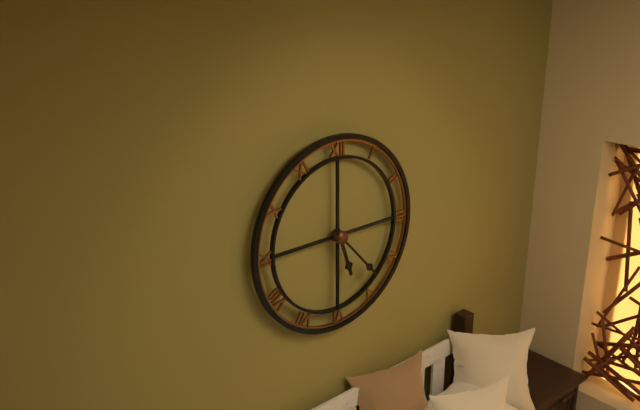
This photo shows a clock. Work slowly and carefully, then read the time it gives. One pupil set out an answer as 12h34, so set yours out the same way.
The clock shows 5h23
